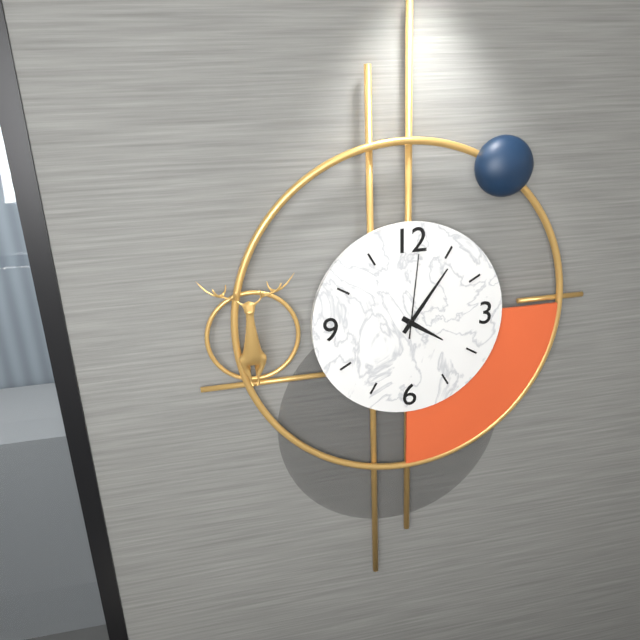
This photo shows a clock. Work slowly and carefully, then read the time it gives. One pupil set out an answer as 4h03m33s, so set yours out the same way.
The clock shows 4h06m01s
